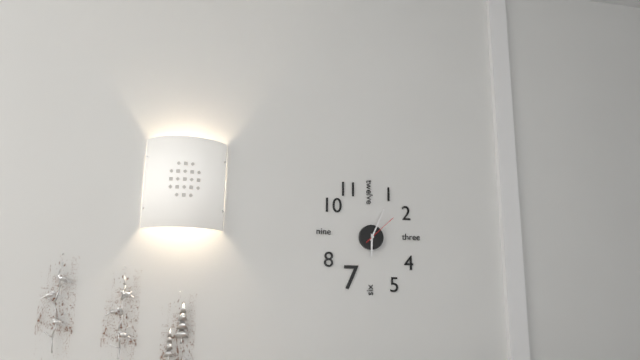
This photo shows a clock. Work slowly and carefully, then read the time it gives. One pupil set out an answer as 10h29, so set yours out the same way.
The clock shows 6h04
